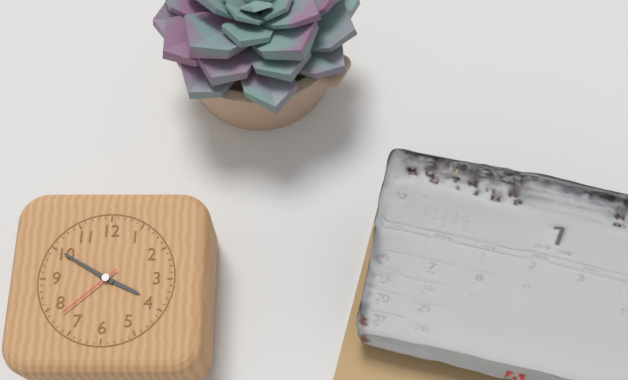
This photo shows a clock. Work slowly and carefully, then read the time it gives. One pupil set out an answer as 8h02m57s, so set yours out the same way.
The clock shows 3h50m38s
